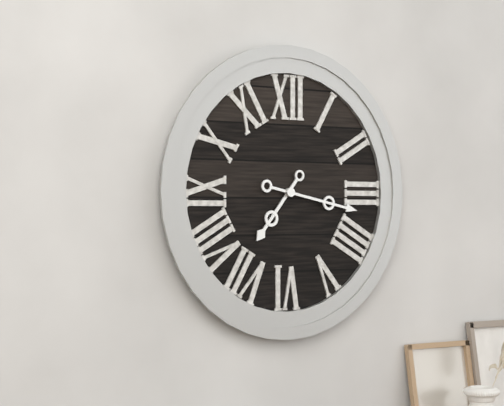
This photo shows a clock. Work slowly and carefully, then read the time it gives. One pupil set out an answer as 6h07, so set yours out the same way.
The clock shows 7h17
